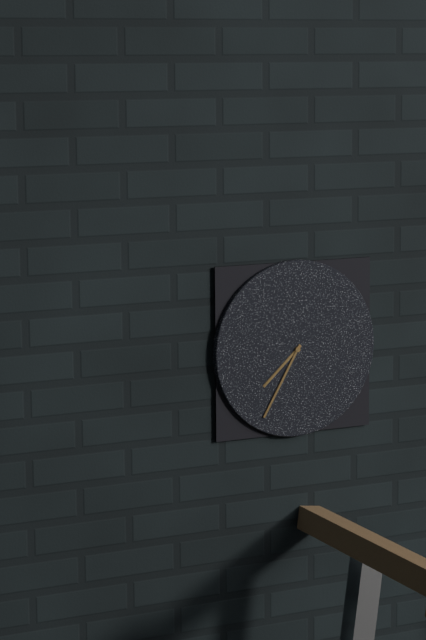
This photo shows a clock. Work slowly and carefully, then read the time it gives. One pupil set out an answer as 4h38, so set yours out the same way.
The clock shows 7h35
